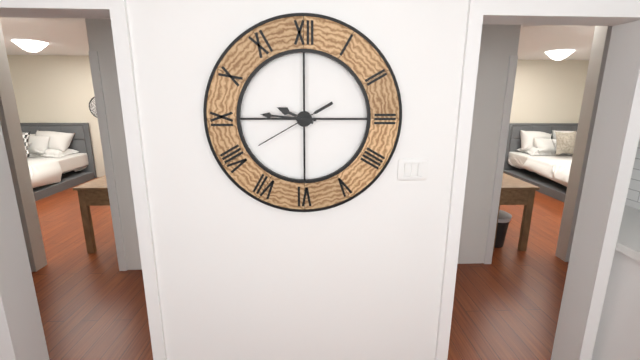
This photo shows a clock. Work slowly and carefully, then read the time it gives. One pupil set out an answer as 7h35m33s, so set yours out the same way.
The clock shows 9h46m40s
